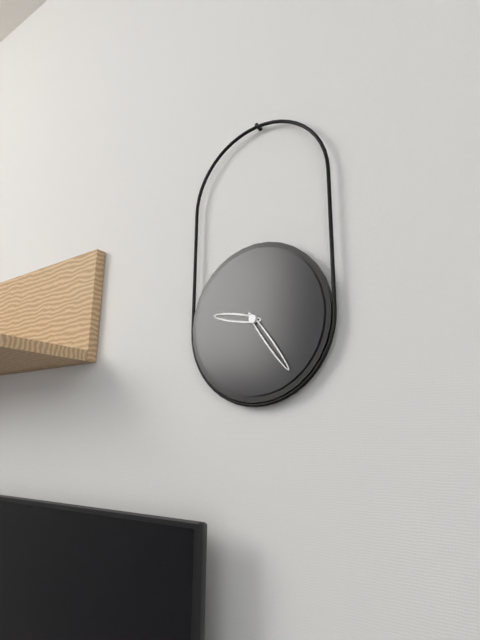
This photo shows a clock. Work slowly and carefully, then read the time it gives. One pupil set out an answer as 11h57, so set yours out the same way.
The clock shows 9h24
